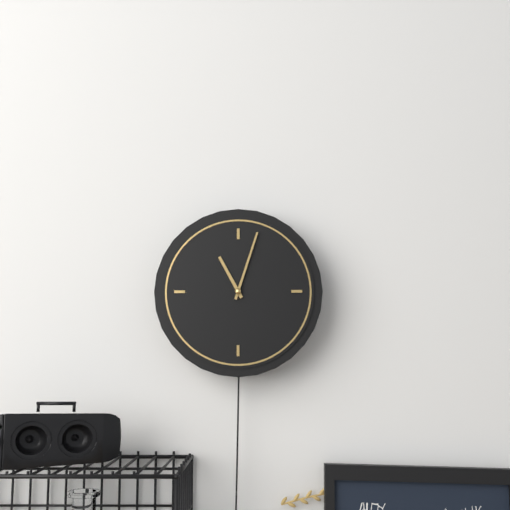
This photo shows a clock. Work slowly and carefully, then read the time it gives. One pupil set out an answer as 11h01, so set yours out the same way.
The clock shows 11h03
